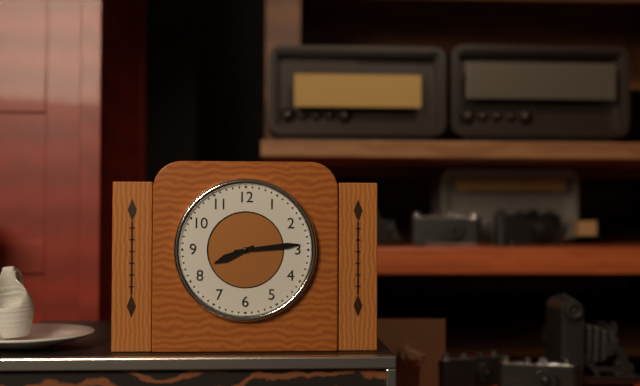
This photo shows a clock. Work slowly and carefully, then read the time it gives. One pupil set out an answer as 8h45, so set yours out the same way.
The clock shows 8h14
